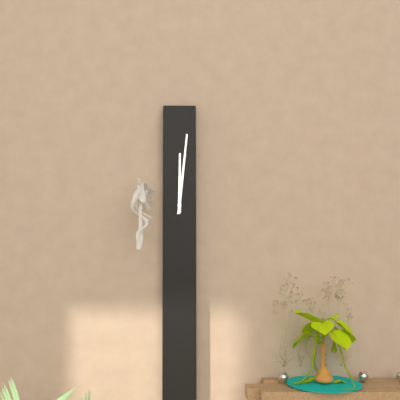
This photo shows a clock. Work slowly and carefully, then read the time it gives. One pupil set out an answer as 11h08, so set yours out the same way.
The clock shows 12h01
